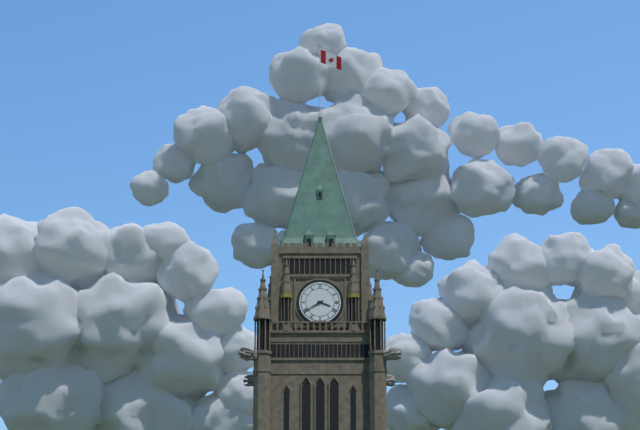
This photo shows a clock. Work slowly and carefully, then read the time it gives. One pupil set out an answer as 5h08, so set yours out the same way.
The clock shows 3h40
